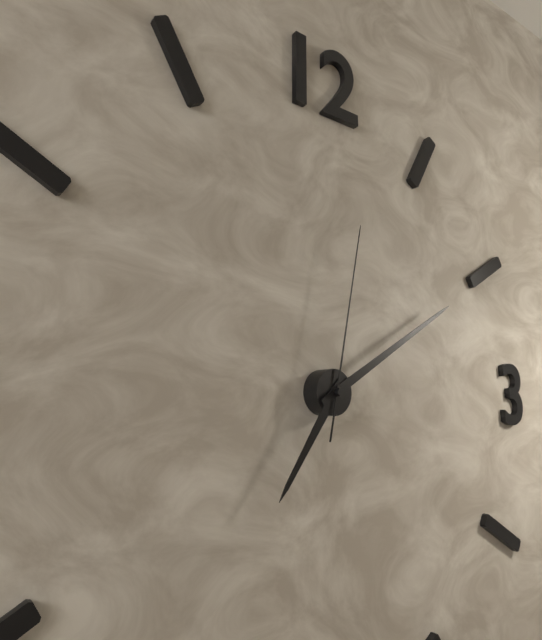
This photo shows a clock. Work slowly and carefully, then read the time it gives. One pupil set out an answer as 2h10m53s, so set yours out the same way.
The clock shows 7h10m02s
